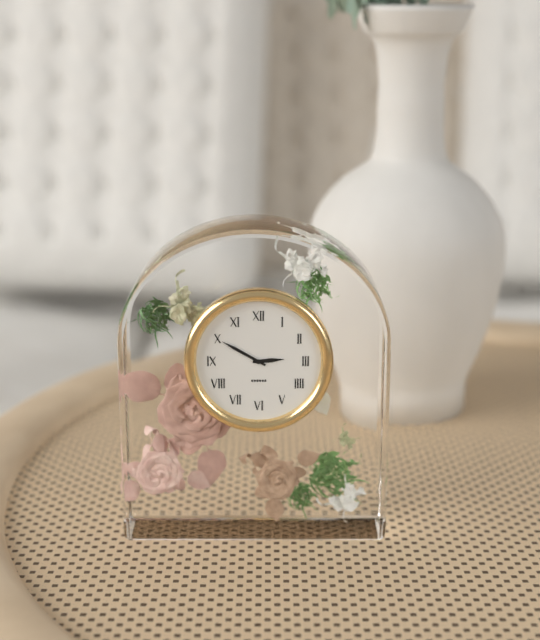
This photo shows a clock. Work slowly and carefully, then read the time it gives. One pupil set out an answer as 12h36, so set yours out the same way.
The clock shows 2h50
